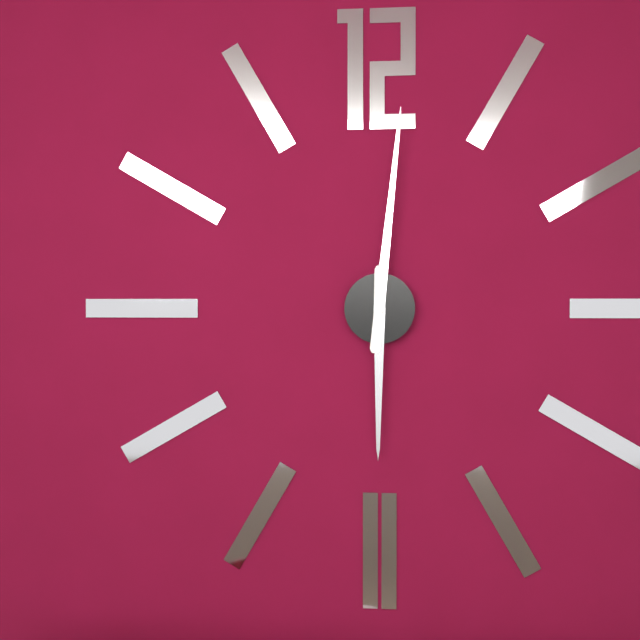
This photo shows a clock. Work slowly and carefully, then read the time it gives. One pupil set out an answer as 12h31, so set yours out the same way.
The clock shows 6h01
